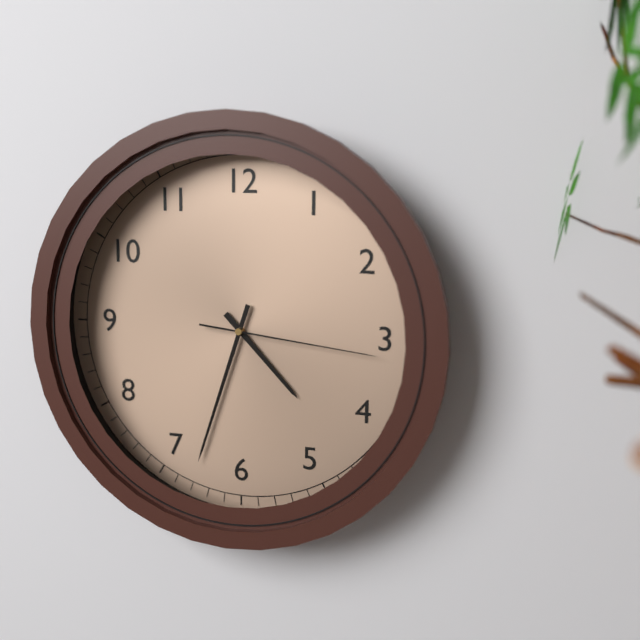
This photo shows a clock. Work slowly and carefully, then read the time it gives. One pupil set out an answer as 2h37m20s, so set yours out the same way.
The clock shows 4h33m16s
